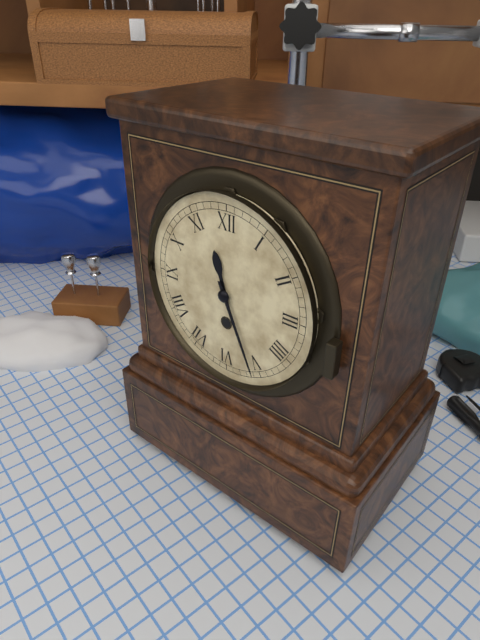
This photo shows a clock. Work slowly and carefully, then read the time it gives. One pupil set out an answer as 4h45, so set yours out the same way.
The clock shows 11h26
